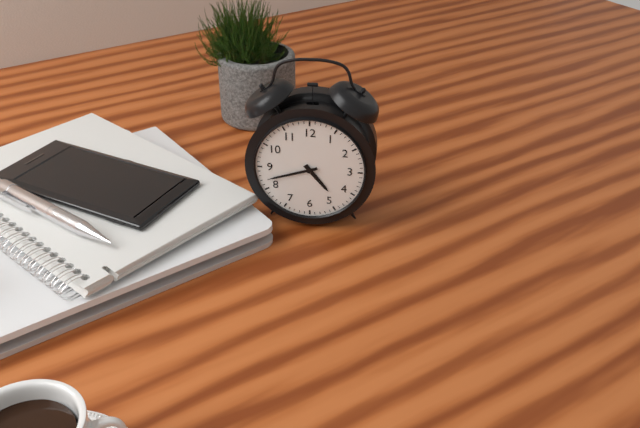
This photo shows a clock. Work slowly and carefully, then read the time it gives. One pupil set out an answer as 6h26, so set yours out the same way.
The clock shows 4h42
